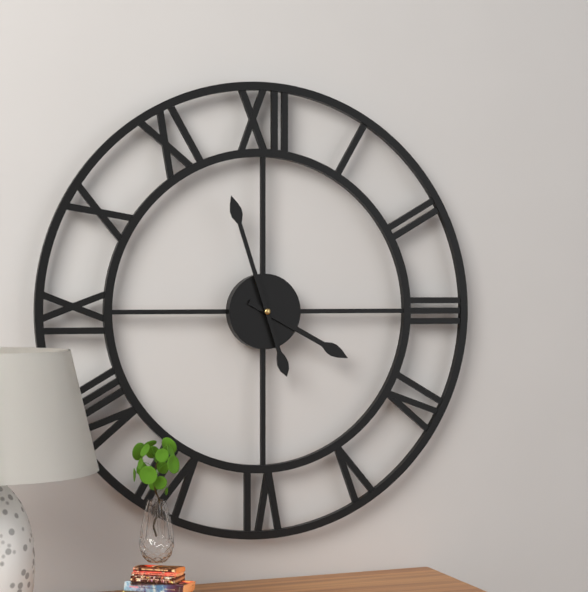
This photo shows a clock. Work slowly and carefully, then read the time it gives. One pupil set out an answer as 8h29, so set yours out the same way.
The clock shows 3h57
